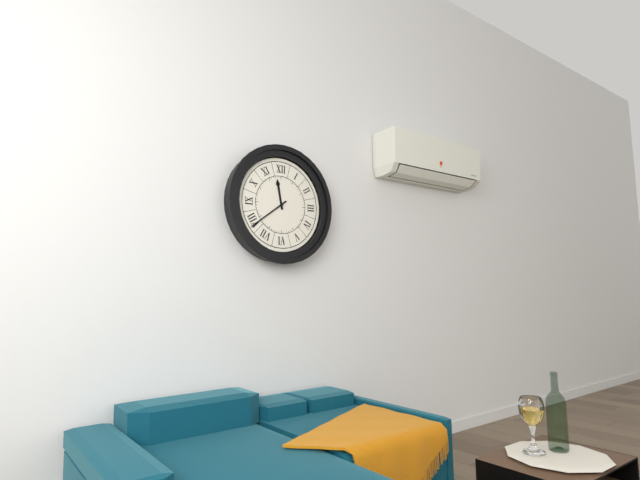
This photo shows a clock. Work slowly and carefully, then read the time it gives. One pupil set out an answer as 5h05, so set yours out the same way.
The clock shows 11h39
